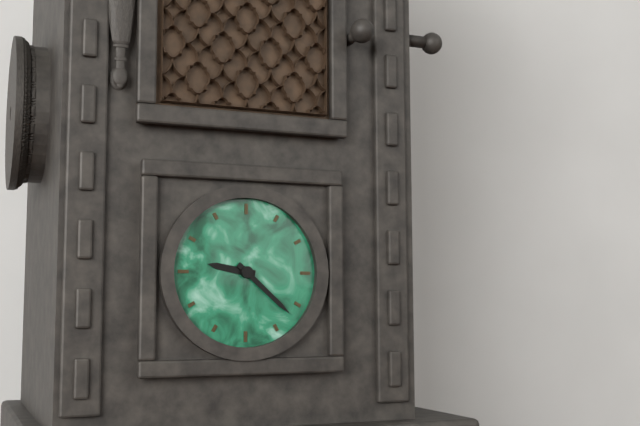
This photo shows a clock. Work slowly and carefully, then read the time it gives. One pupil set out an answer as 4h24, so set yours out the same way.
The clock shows 9h22
